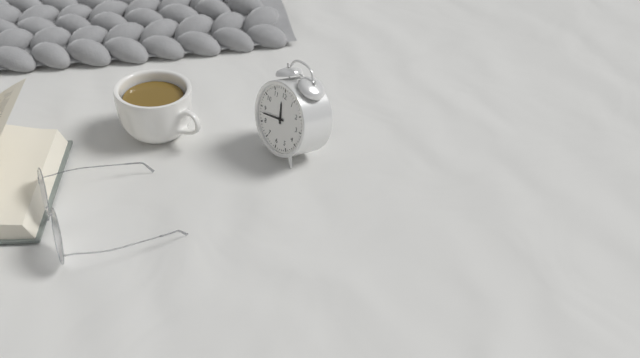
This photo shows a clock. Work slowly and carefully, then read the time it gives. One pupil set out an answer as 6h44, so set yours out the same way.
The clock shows 11h43
